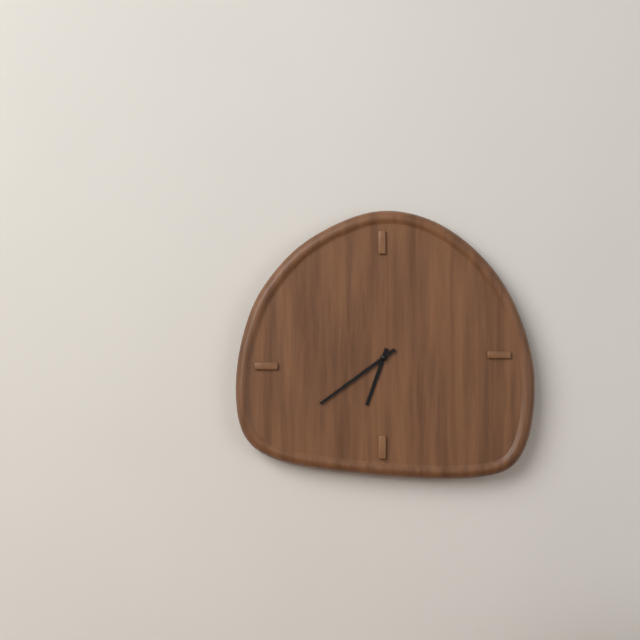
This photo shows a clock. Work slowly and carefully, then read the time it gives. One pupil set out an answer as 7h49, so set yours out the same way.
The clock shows 6h39
